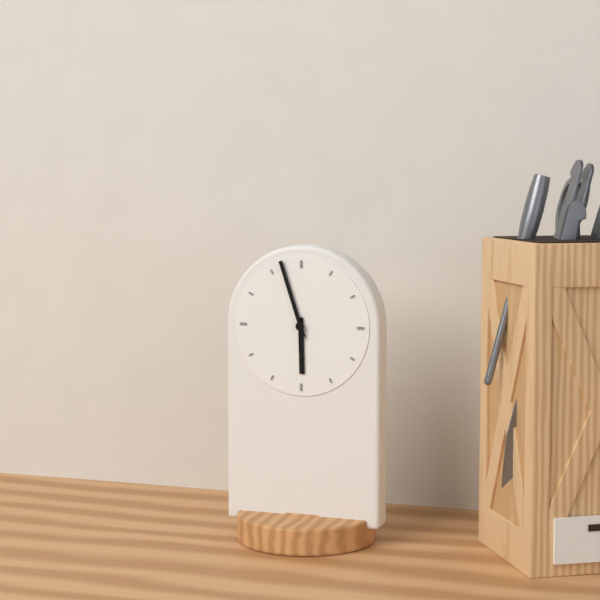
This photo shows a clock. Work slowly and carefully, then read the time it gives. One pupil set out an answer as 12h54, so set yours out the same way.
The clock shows 5h57
